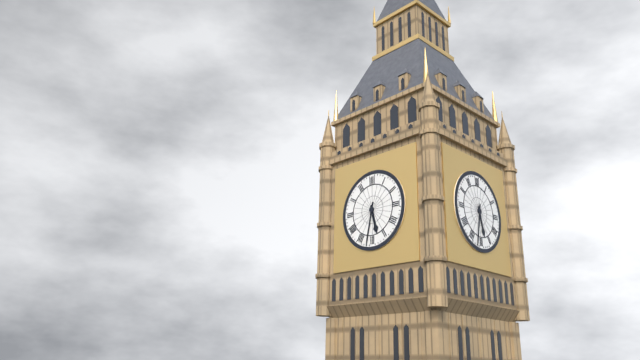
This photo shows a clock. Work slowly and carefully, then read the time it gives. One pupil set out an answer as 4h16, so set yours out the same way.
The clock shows 5h32
